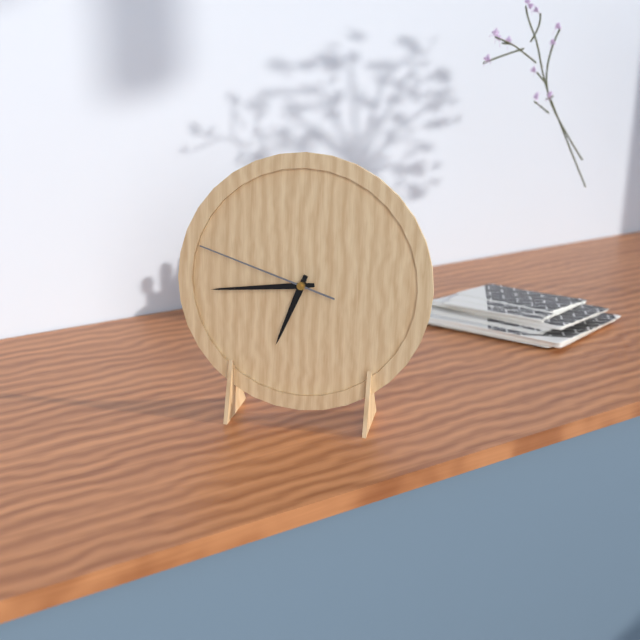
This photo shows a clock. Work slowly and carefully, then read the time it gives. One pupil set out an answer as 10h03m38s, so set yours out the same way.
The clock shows 6h44m48s
